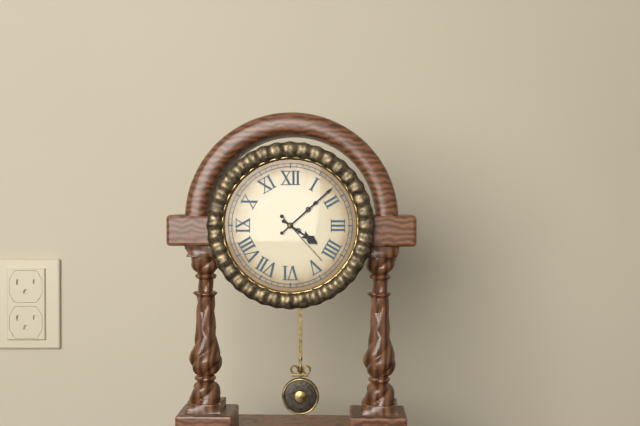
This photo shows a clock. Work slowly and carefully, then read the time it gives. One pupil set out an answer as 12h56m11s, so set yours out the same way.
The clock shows 4h08m23s
